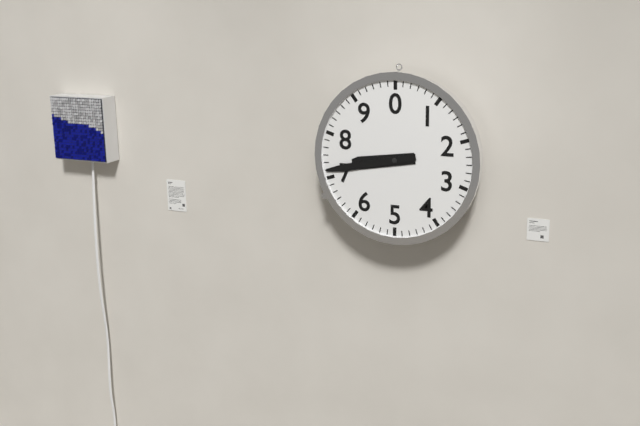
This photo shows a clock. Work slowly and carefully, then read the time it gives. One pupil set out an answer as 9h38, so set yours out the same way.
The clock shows 8h43
